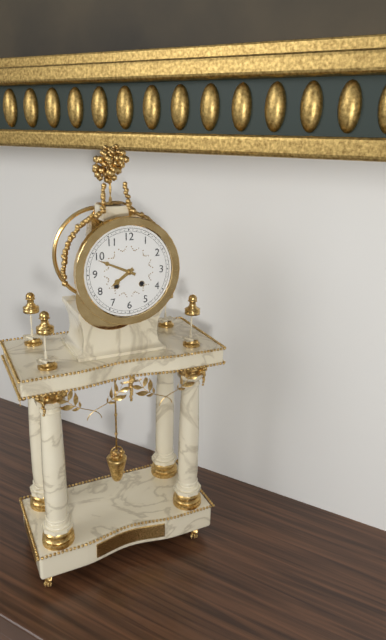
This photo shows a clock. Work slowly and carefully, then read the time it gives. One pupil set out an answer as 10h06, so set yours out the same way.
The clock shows 7h49
